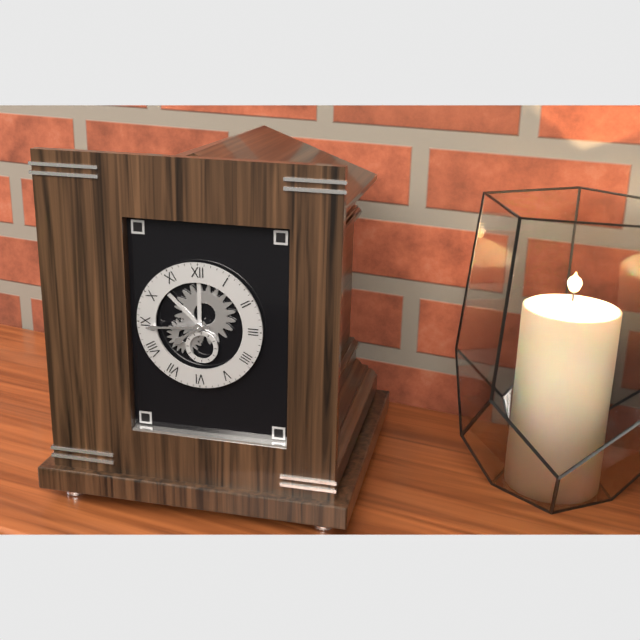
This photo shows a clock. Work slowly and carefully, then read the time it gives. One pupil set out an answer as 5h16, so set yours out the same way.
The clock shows 7h44
